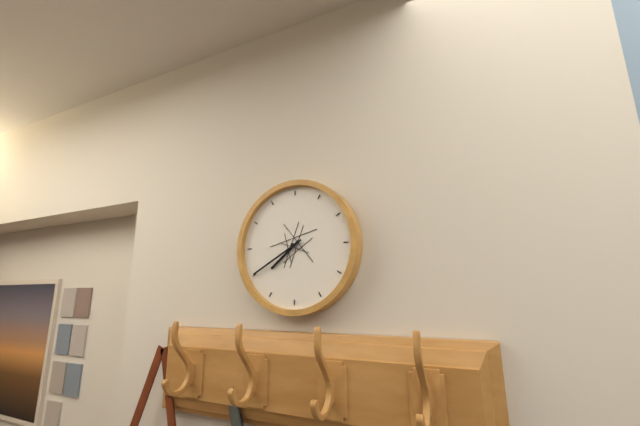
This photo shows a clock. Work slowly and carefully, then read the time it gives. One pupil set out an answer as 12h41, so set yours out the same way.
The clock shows 7h40
